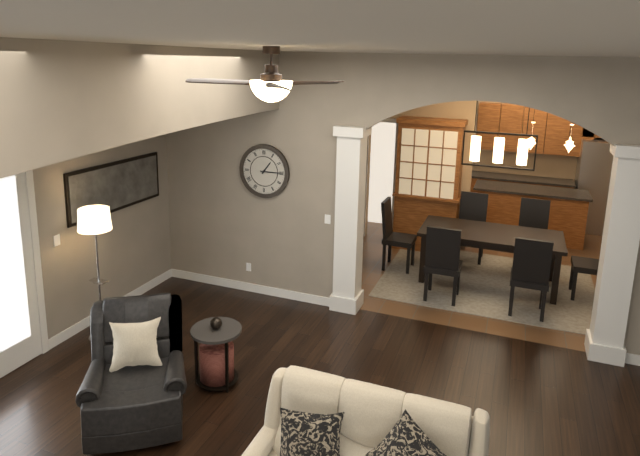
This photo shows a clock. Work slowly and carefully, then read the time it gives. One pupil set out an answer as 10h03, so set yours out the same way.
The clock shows 1h15
